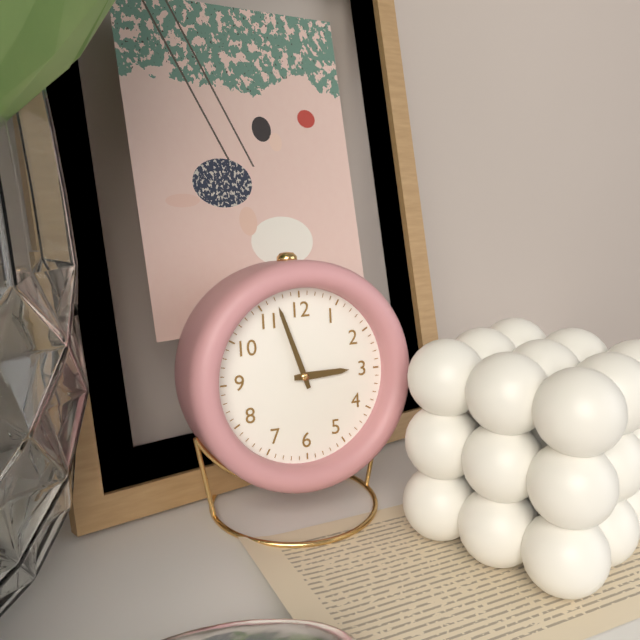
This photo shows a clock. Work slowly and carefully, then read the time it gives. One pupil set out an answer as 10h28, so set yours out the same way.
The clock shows 2h57
